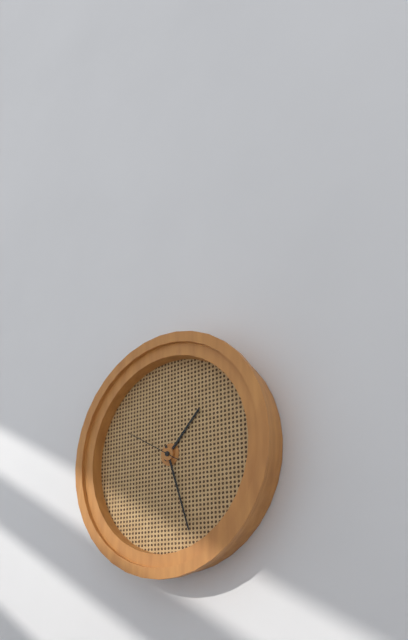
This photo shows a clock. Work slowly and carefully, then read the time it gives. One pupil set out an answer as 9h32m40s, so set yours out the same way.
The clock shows 1h27m50s
